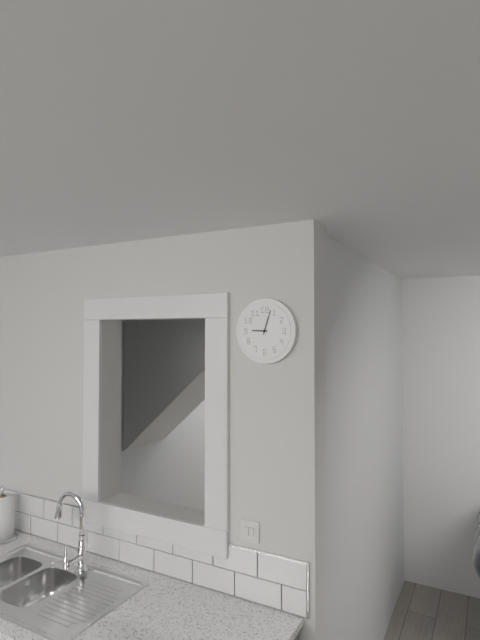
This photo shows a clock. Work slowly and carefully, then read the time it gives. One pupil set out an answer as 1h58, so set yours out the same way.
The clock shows 9h03
